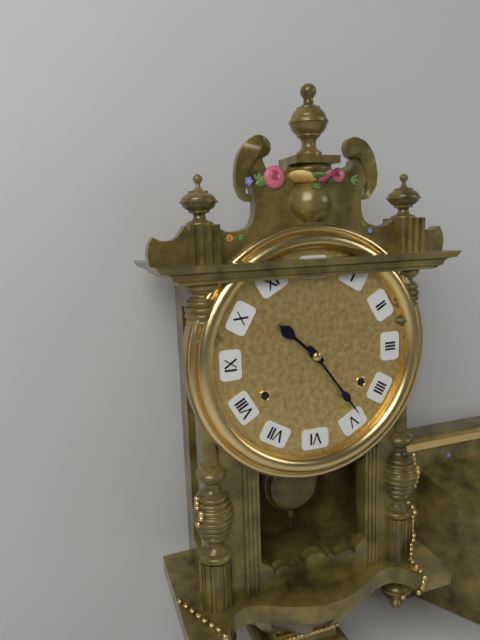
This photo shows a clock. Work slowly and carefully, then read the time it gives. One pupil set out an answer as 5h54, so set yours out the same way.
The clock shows 10h24
